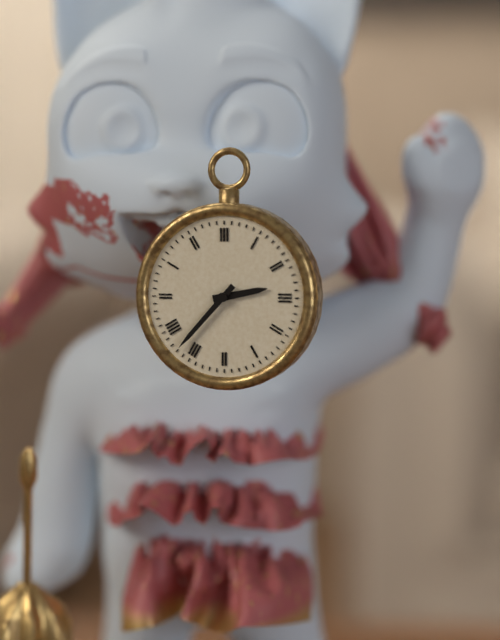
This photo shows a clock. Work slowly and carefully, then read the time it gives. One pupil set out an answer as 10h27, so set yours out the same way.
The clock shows 2h37
